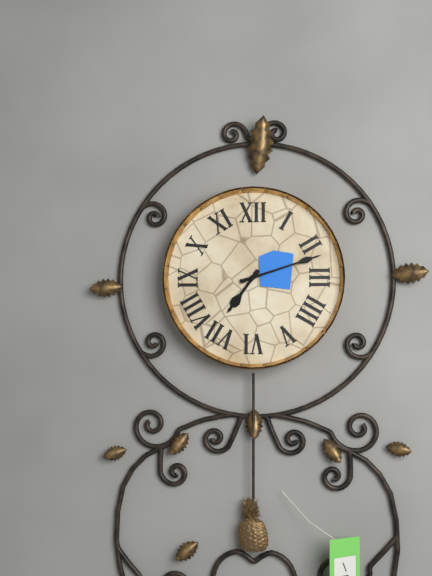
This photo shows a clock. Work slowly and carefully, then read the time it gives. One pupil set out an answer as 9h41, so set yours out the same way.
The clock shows 7h12
